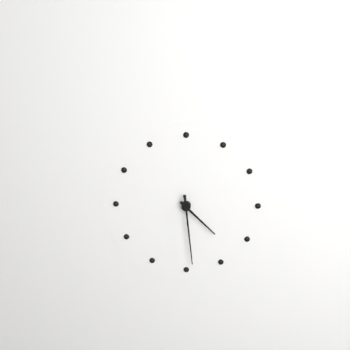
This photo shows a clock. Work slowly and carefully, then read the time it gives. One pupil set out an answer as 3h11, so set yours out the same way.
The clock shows 4h29
